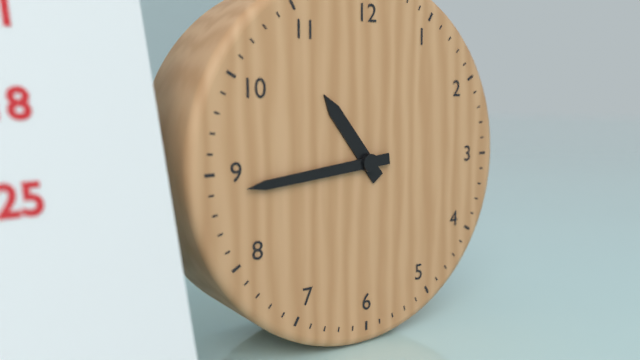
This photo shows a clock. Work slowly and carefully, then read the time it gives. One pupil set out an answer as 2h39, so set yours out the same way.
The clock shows 10h44
